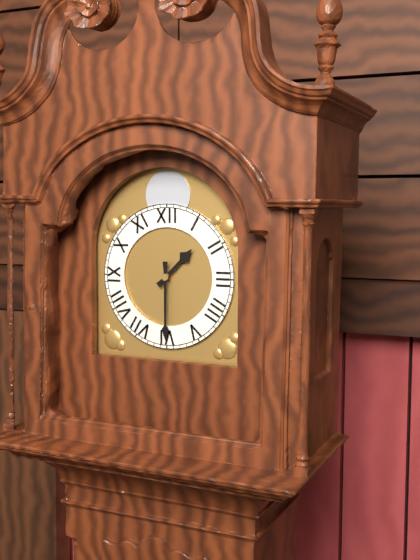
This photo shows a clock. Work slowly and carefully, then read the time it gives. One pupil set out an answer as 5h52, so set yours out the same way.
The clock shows 1h30
